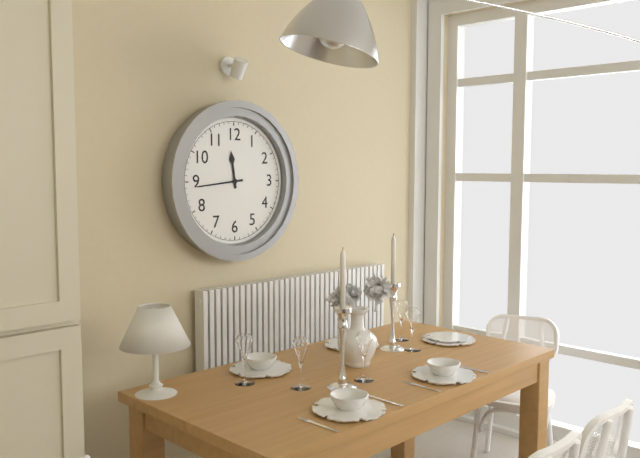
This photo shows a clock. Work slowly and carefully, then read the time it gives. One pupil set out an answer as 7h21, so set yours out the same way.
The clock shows 11h44
